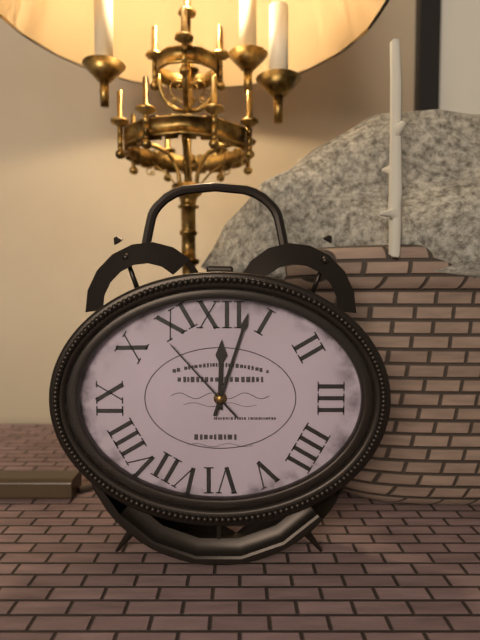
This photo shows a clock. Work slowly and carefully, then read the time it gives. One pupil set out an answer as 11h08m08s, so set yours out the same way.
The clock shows 12h03m53s
